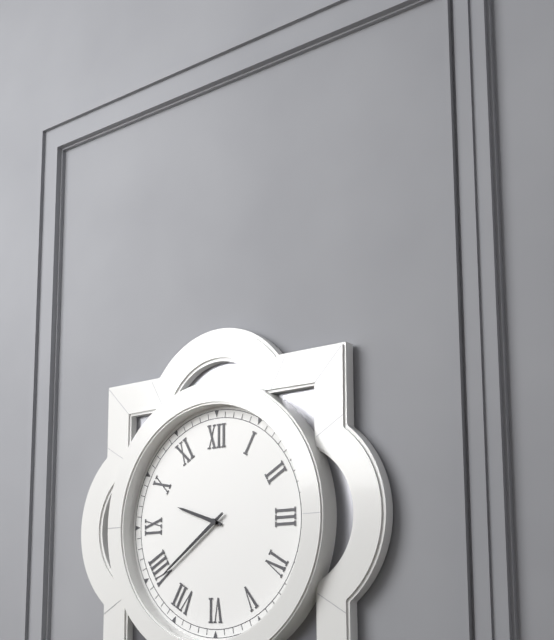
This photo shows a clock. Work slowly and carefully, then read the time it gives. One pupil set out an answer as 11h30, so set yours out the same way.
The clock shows 9h39
